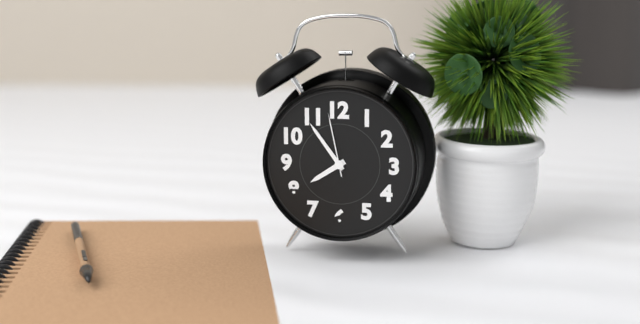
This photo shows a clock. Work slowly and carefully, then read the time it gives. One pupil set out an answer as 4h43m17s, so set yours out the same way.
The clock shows 7h54m58s
